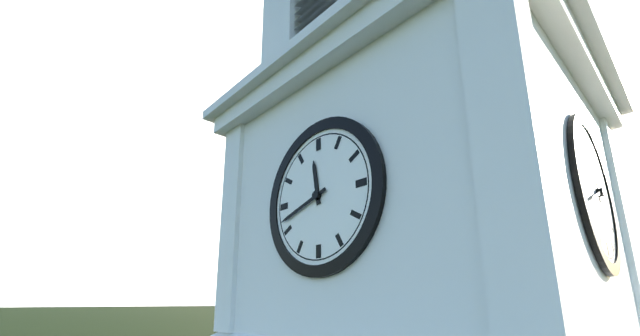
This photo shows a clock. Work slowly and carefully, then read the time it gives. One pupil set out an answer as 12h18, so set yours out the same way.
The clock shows 11h42
